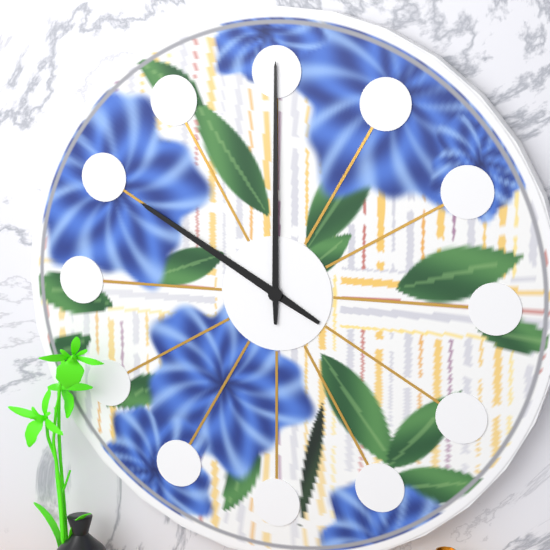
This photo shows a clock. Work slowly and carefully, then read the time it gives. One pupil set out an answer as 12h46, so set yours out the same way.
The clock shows 10h00
